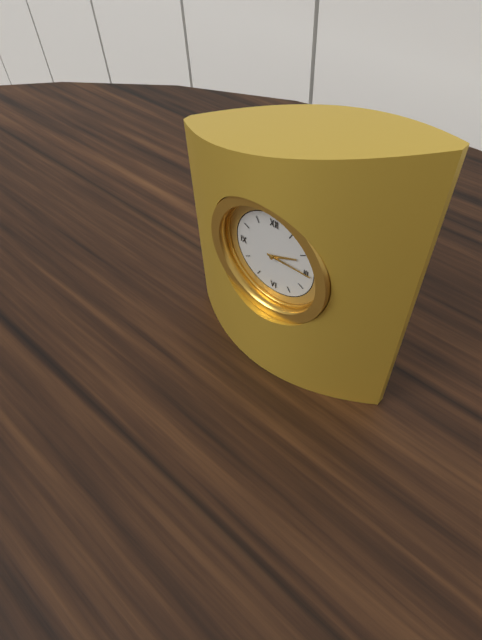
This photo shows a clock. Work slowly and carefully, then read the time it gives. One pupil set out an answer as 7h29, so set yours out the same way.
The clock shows 2h15
